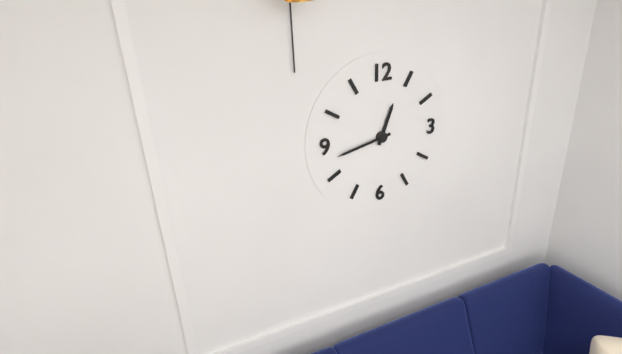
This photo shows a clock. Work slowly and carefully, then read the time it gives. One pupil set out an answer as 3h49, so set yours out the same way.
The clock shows 12h43
